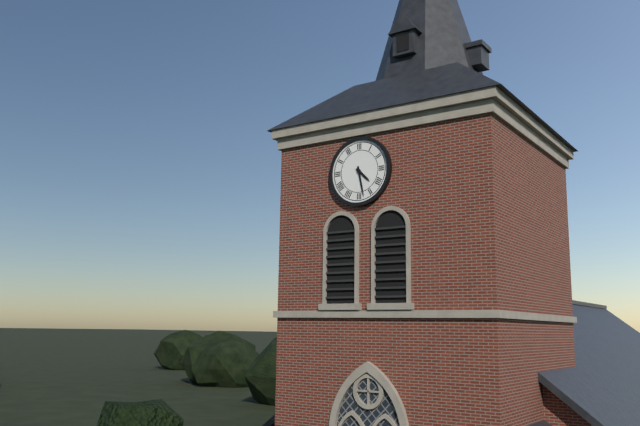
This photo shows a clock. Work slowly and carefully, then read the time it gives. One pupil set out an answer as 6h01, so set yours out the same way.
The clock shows 4h28
